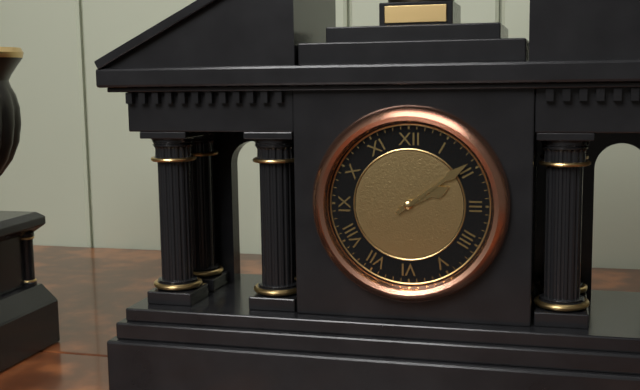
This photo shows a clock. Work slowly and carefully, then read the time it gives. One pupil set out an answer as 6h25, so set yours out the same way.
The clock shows 2h09
